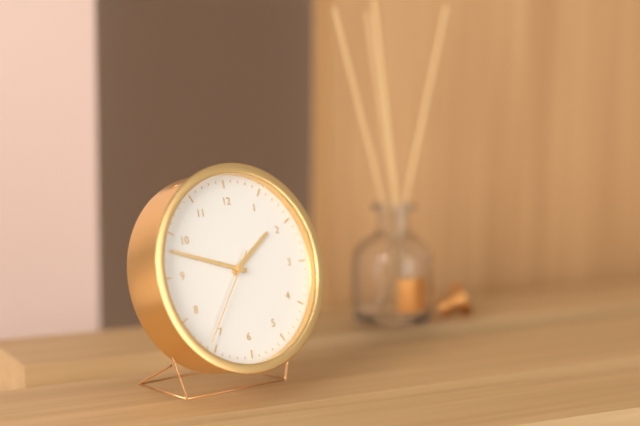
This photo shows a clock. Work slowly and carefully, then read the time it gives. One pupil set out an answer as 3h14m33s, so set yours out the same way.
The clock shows 1h48m36s
